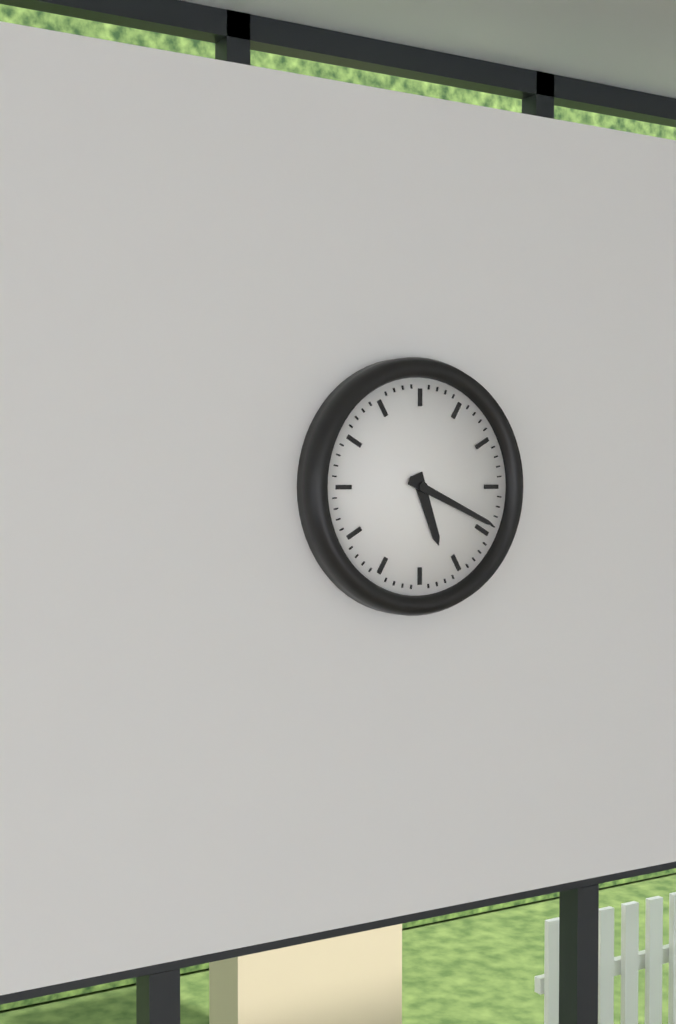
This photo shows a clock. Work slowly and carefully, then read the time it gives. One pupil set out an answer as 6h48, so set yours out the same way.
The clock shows 5h19
